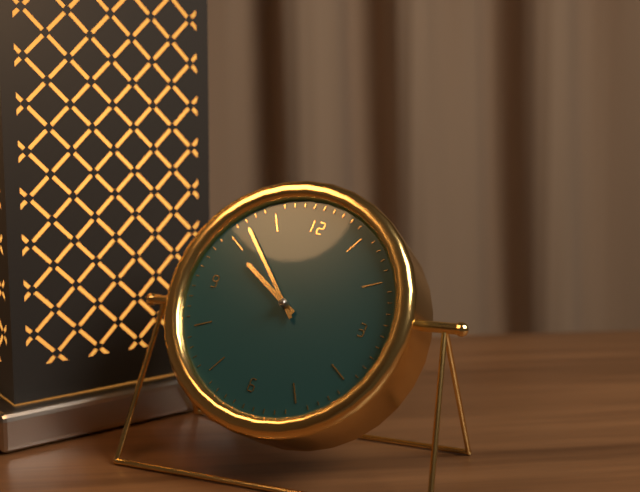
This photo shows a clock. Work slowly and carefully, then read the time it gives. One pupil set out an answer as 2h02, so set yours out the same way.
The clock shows 9h52
